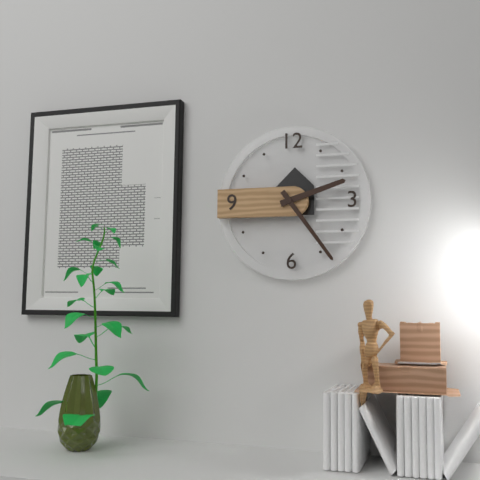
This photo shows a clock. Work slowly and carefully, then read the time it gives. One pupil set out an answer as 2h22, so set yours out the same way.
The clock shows 2h24
